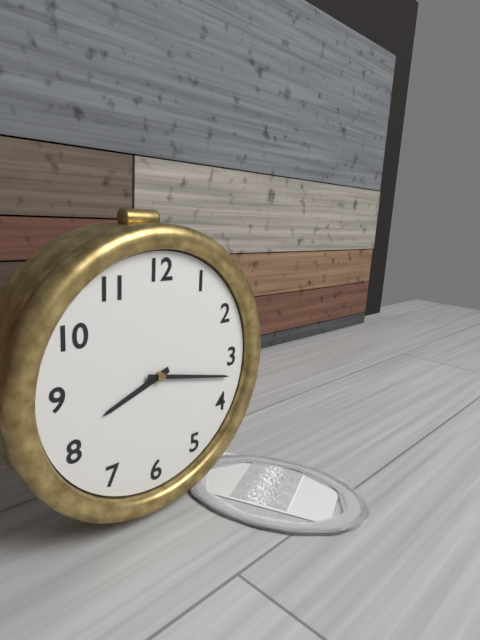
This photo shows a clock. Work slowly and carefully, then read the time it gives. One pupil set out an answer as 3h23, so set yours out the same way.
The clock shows 8h17
